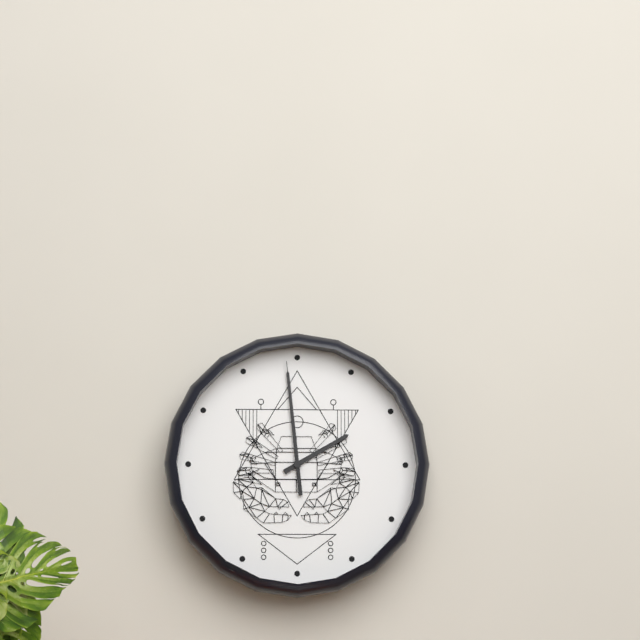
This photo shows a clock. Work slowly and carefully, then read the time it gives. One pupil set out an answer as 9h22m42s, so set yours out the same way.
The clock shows 1h59m59s
